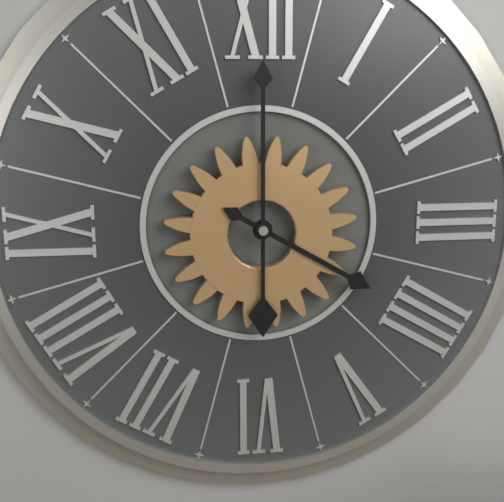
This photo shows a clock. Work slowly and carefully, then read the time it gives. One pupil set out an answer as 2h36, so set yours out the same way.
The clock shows 4h00
